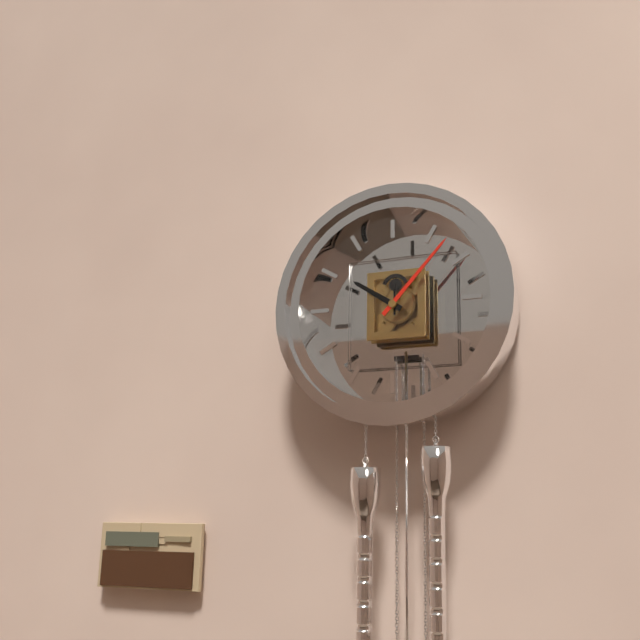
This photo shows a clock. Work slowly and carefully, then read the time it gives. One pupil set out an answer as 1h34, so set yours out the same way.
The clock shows 10h07
